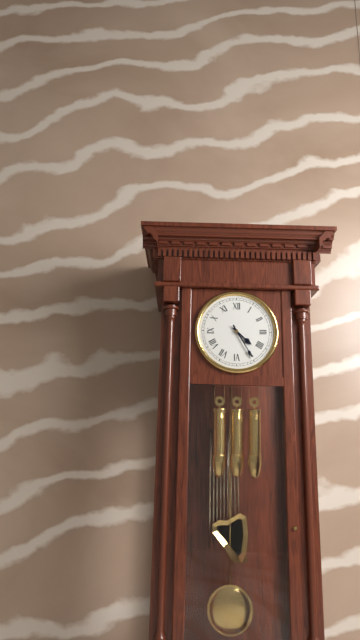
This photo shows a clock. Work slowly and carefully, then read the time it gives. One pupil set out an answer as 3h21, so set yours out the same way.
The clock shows 4h25
